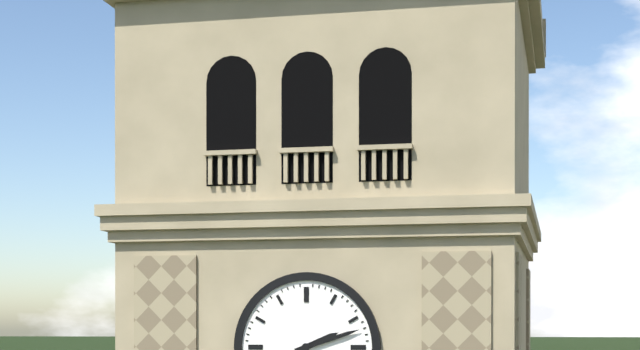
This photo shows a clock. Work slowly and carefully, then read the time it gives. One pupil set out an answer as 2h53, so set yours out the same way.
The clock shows 2h12
